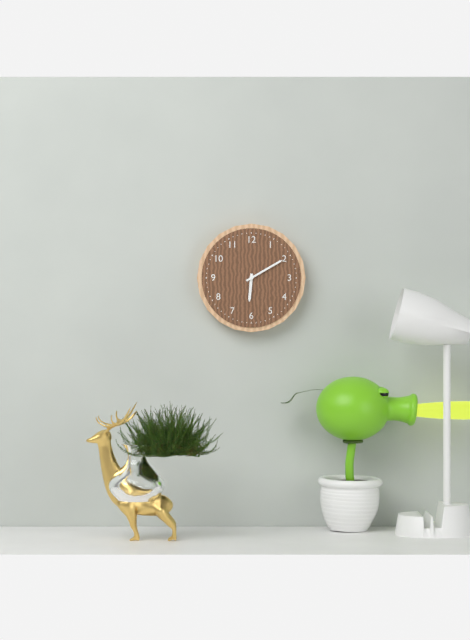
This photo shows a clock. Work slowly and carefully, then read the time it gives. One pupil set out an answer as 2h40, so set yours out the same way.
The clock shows 6h10
